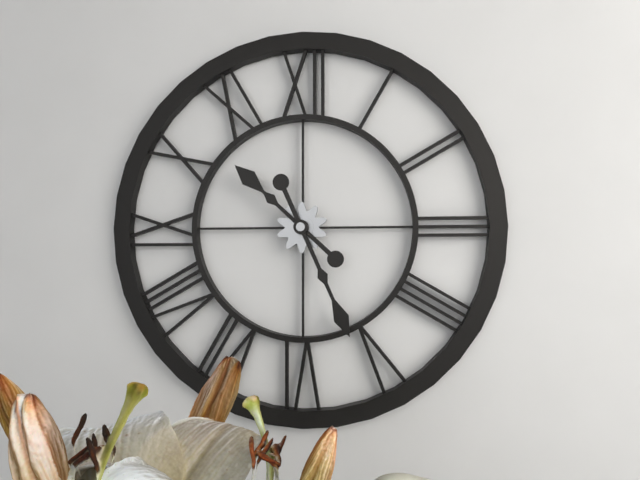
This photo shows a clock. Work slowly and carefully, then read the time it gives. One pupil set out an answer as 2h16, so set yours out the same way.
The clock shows 10h26
